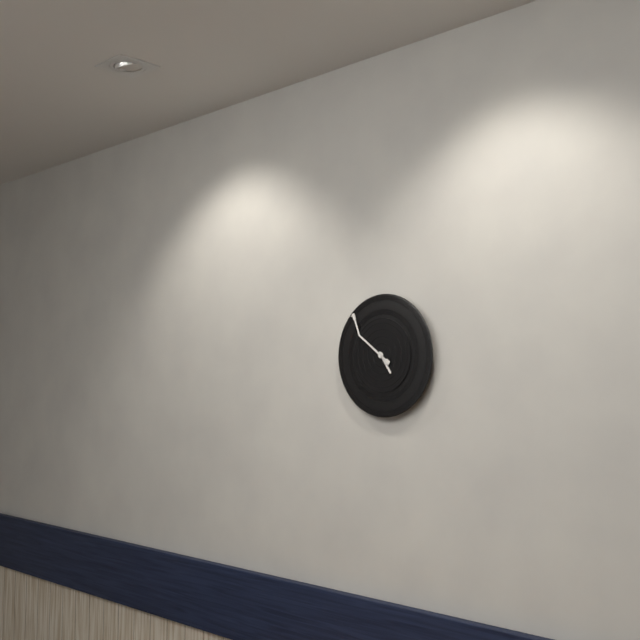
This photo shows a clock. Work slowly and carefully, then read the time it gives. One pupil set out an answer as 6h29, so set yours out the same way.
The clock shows 4h51
